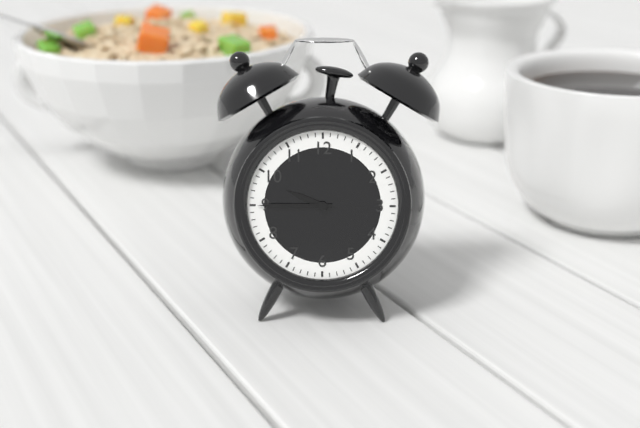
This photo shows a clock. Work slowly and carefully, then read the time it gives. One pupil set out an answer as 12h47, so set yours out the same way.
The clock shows 9h45
